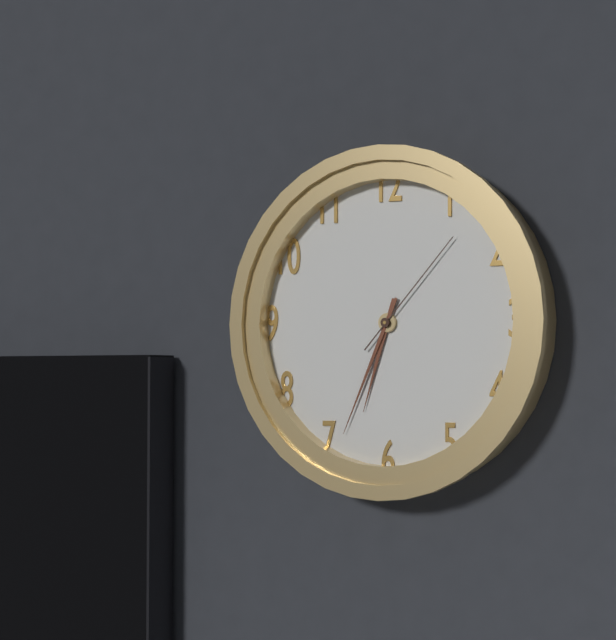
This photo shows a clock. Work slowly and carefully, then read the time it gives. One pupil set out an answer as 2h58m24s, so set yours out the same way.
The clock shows 6h34m07s
